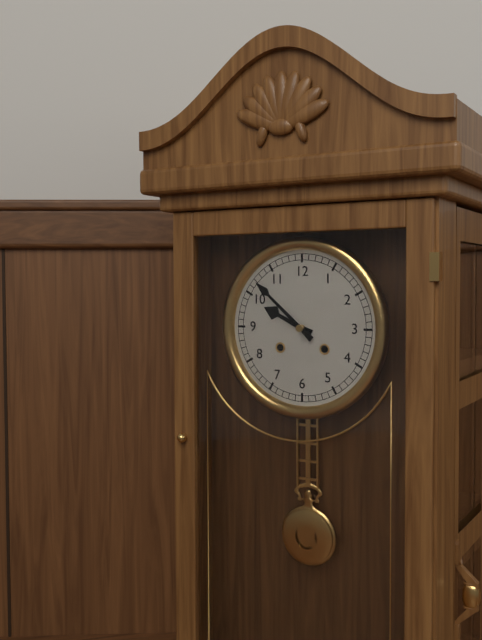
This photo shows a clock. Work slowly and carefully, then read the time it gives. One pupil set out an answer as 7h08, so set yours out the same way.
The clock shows 9h52
